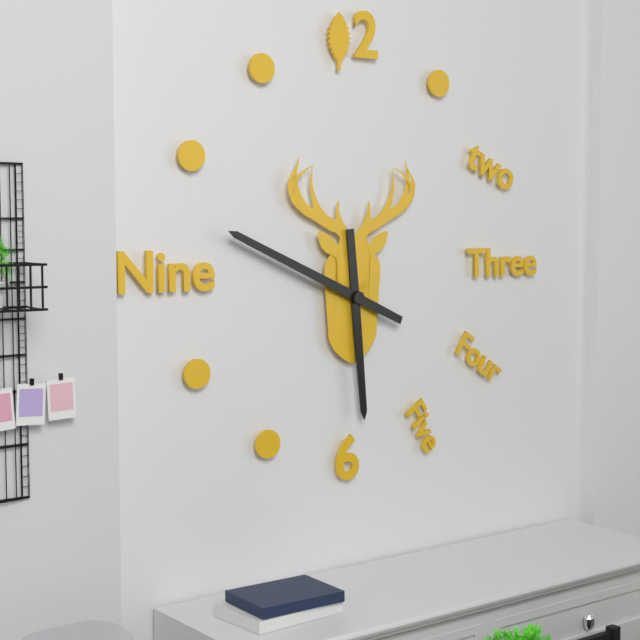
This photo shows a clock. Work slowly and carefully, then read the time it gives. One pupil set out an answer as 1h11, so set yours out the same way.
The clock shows 5h49
